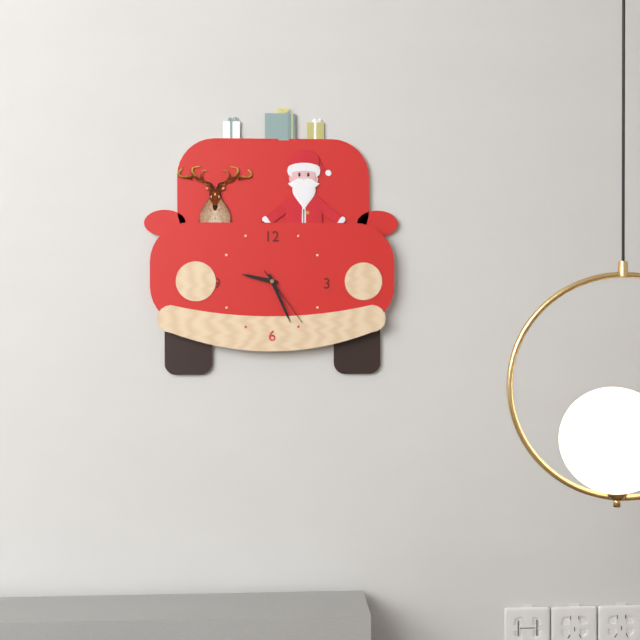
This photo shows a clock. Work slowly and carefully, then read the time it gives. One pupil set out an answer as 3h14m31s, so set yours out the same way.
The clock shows 9h26m24s
